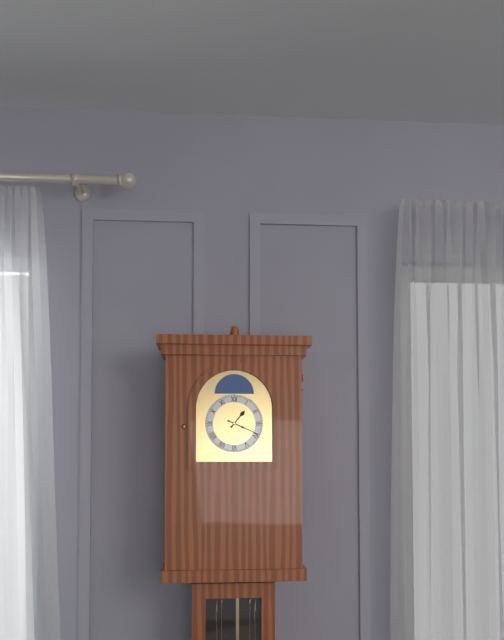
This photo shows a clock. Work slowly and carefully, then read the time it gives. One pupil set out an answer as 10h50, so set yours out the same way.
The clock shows 1h19
